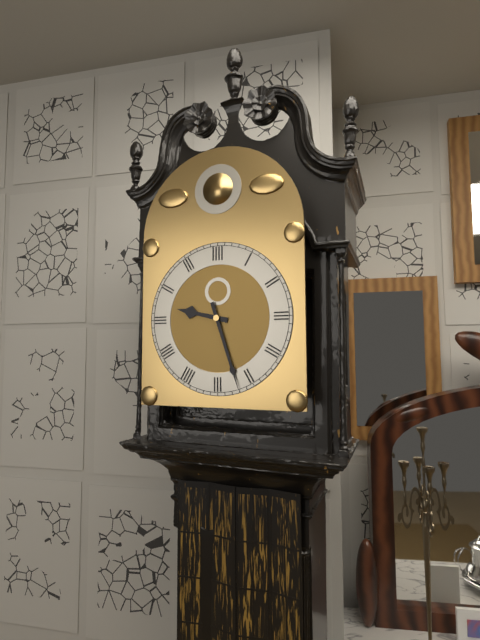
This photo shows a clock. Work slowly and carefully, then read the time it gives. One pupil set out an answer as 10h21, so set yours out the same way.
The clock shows 9h27
